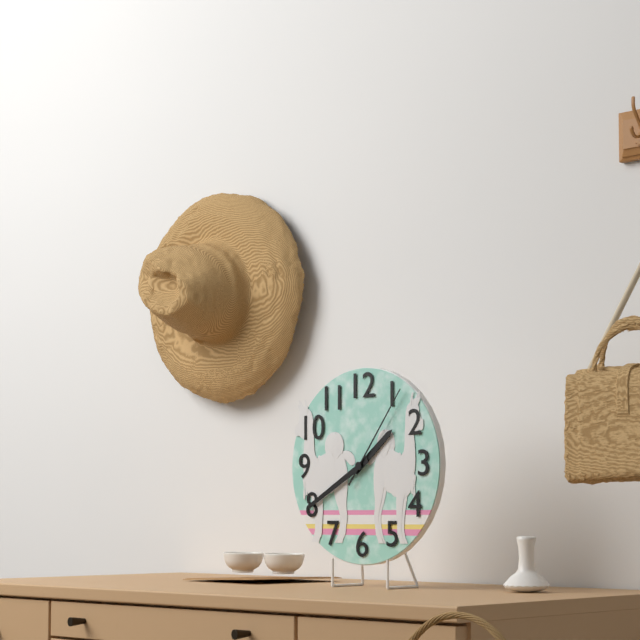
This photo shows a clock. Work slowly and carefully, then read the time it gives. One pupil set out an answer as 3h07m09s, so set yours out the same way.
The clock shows 1h40m06s
